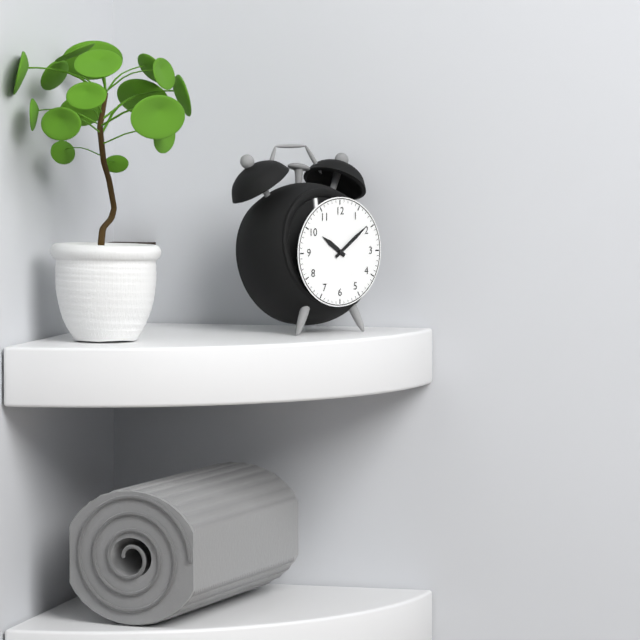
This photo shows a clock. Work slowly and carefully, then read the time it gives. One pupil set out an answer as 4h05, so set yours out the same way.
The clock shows 10h09
